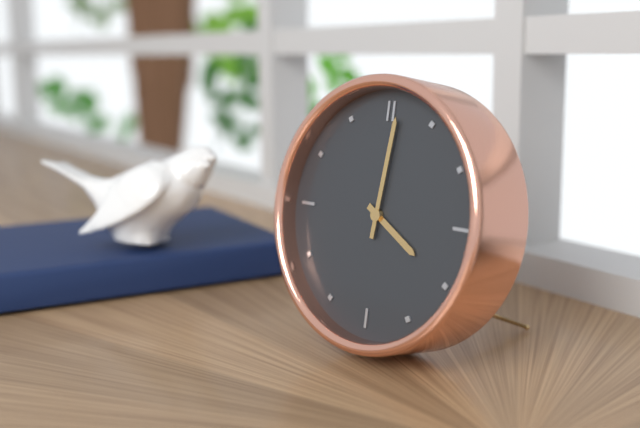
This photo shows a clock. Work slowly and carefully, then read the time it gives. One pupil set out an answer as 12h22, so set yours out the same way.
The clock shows 4h01
